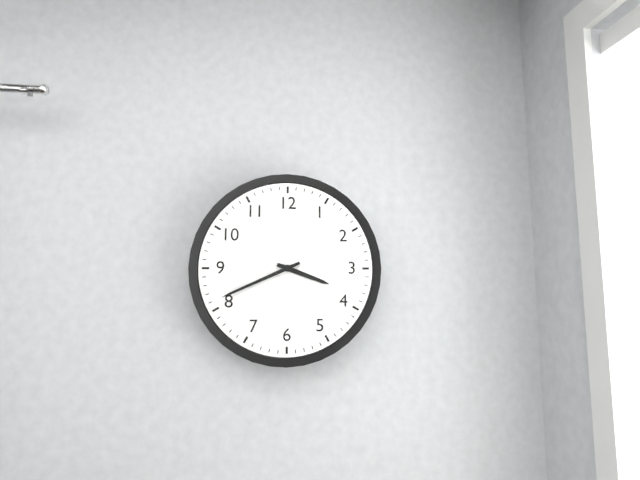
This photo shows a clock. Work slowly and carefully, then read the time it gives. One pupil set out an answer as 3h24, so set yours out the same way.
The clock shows 3h41
